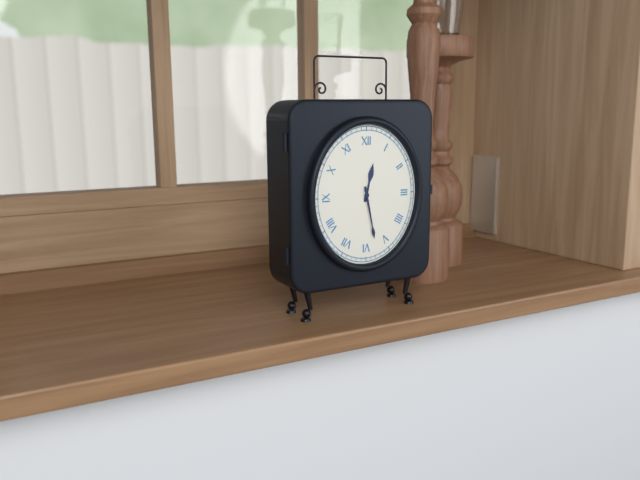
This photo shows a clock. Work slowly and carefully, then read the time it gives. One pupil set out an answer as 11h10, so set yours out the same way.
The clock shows 12h28
